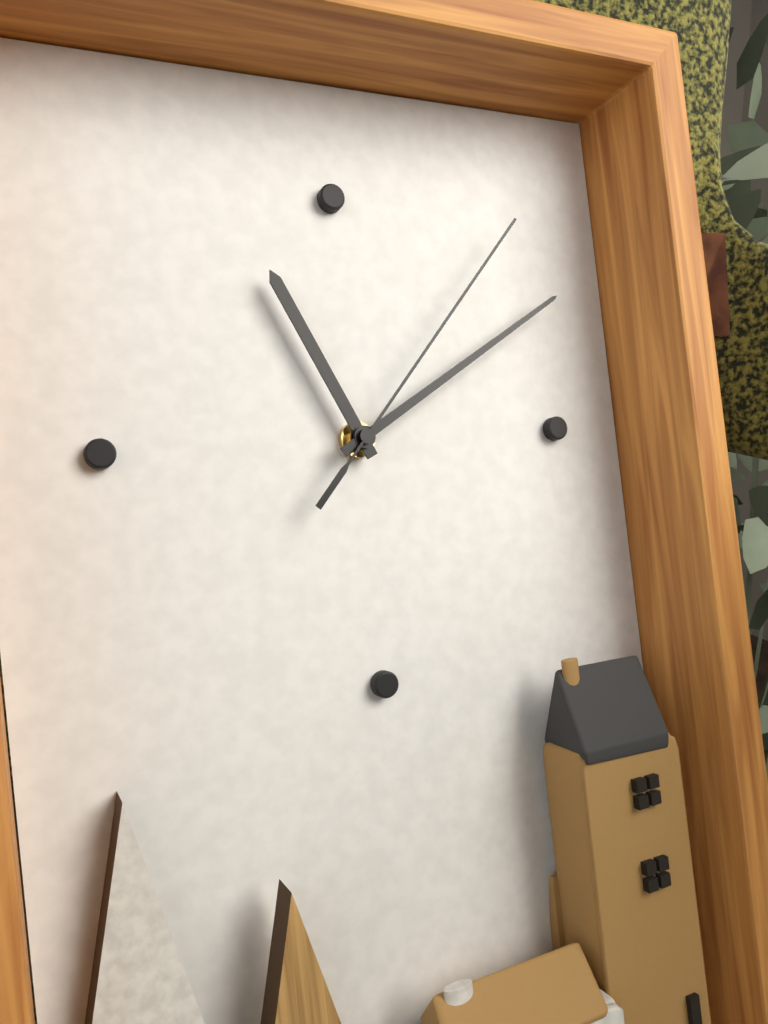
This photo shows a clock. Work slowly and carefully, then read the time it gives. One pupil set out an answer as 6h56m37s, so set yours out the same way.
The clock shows 11h10m07s
